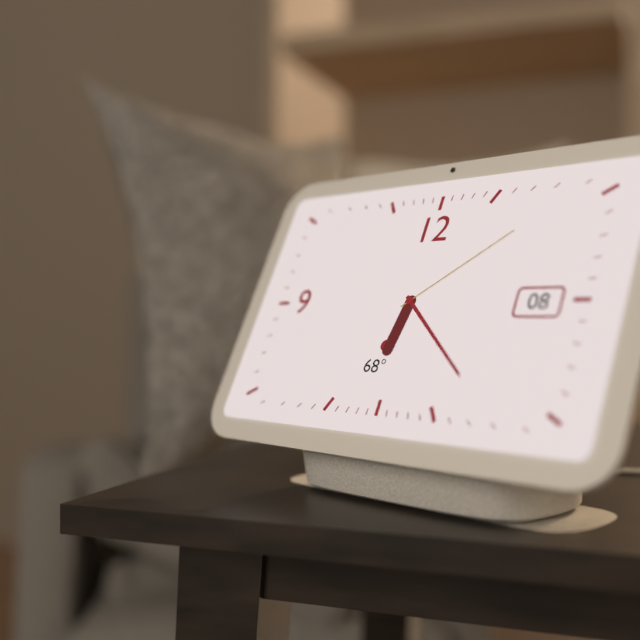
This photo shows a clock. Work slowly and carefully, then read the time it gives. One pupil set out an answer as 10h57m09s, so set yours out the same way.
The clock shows 6h22m09s
